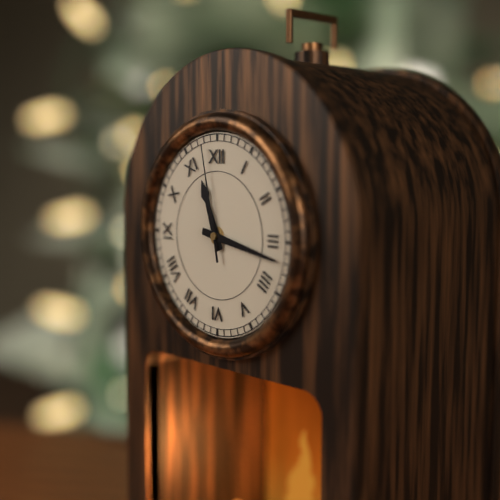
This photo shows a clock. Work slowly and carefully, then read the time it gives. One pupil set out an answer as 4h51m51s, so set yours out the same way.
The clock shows 11h17m58s
